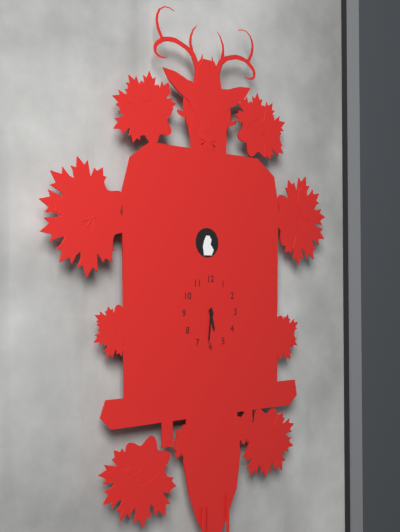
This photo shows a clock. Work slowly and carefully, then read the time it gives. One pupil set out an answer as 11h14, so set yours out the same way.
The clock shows 5h31
